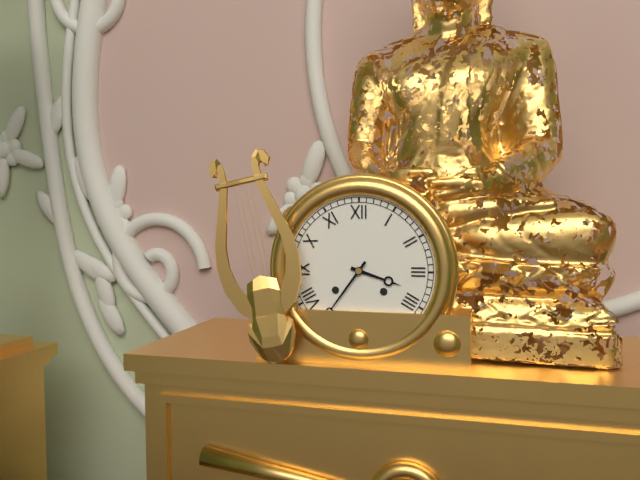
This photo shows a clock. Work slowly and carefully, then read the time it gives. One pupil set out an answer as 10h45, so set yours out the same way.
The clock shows 3h36
